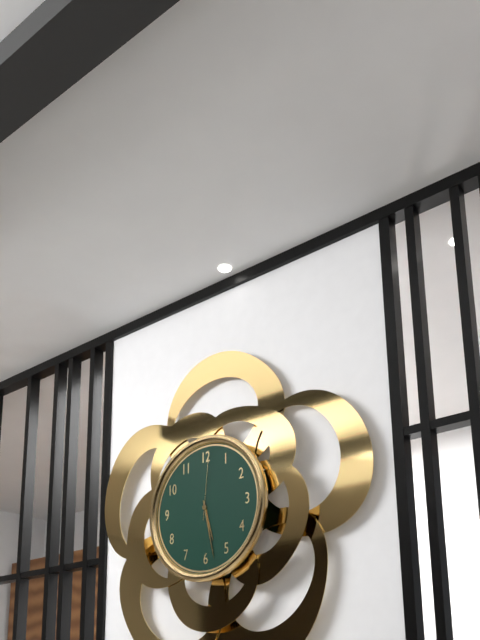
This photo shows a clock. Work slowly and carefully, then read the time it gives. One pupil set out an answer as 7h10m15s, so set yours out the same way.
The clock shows 5h28m01s
